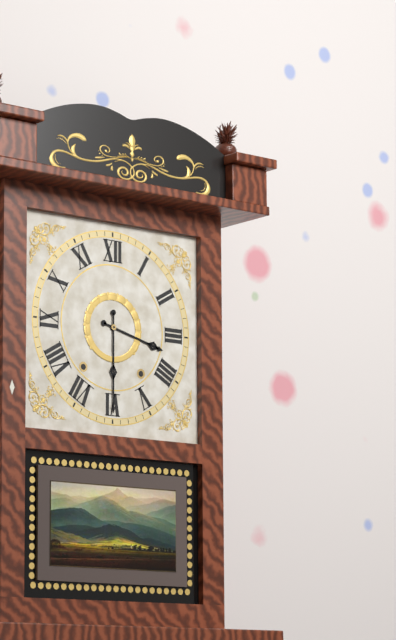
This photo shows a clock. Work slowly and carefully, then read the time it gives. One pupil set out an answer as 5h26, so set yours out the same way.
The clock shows 3h30
